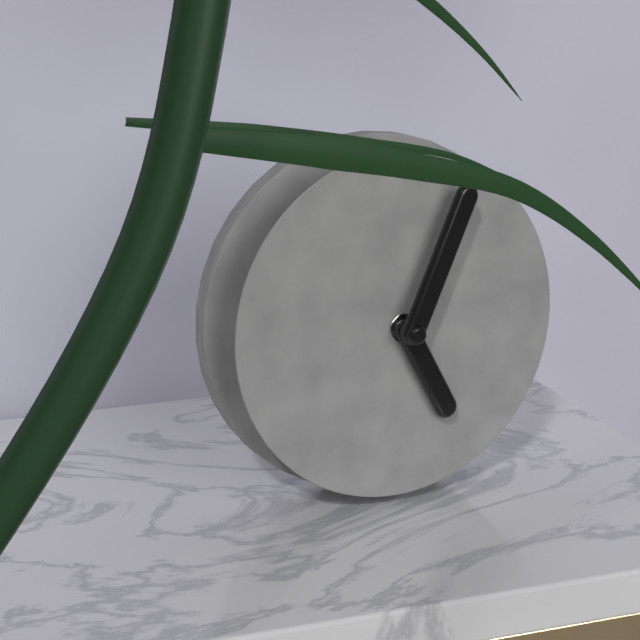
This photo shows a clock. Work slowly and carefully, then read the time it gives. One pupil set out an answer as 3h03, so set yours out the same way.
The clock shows 5h04
